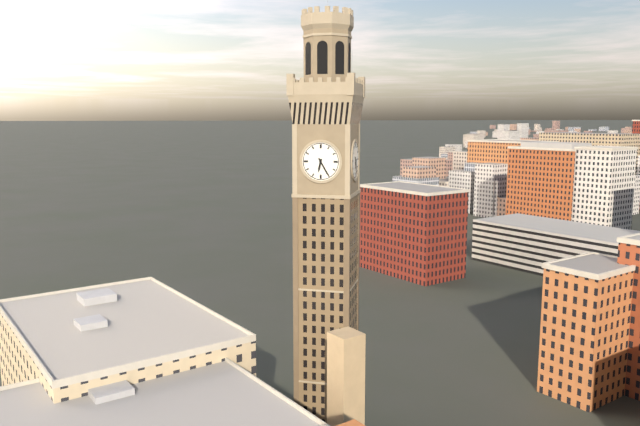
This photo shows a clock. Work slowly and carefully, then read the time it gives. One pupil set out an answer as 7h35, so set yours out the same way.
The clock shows 6h25
